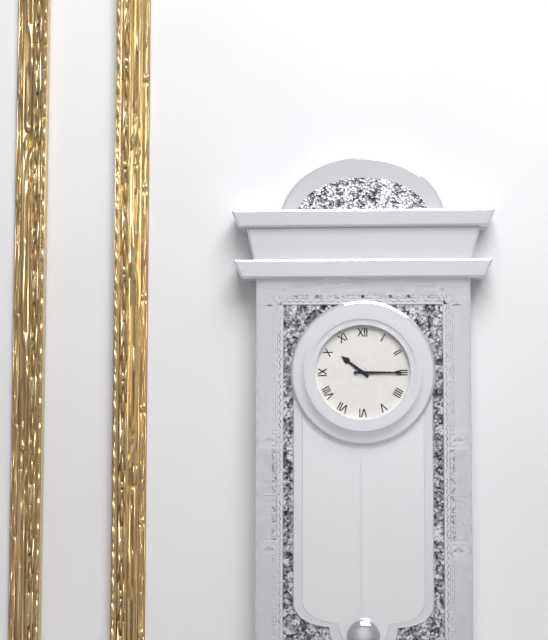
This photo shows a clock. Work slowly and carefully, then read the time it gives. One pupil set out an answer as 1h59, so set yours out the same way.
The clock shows 10h15
